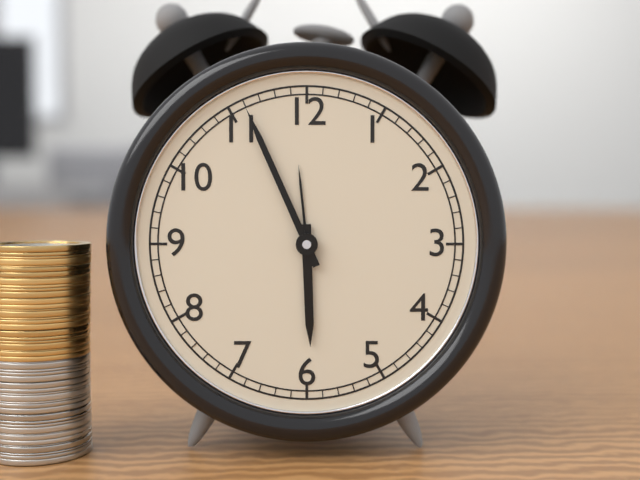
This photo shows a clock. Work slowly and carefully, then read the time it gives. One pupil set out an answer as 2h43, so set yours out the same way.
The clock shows 5h56
